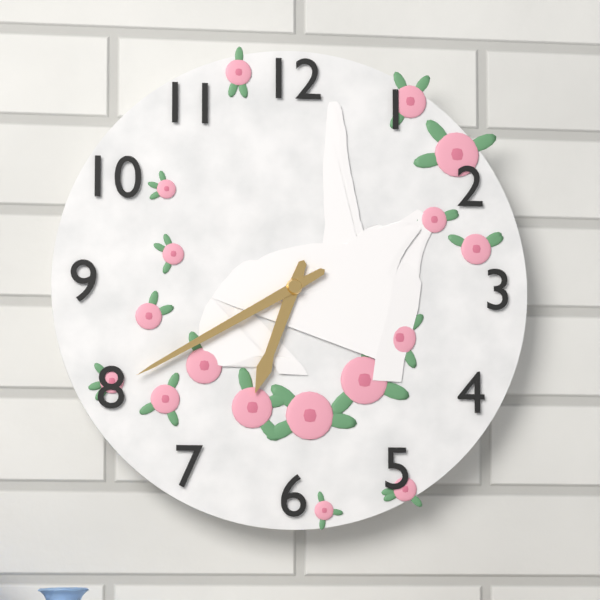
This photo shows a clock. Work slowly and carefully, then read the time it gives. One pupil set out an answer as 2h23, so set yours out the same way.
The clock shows 6h40
